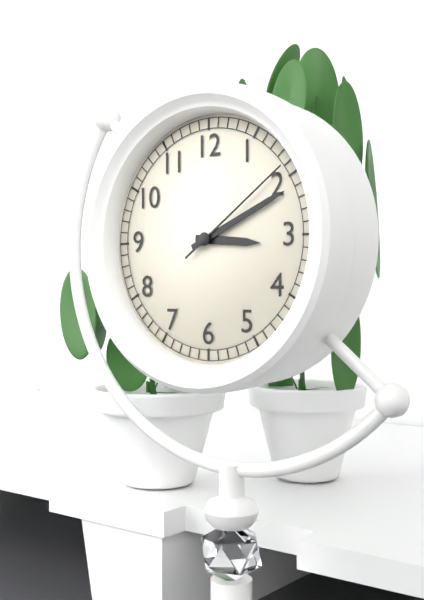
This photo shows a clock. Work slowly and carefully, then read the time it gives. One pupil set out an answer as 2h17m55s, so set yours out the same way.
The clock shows 3h11m09s
